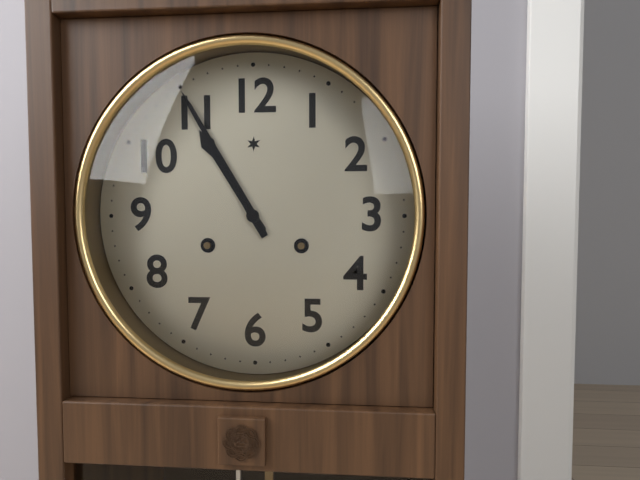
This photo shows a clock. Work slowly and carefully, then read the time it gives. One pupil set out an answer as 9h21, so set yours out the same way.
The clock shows 10h55
